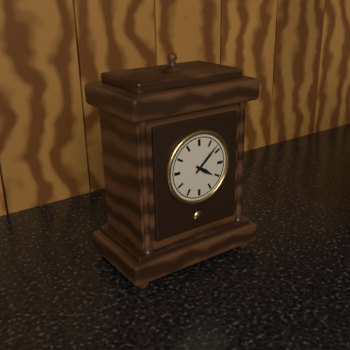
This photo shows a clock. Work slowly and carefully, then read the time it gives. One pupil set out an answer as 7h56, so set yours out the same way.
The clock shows 4h08
